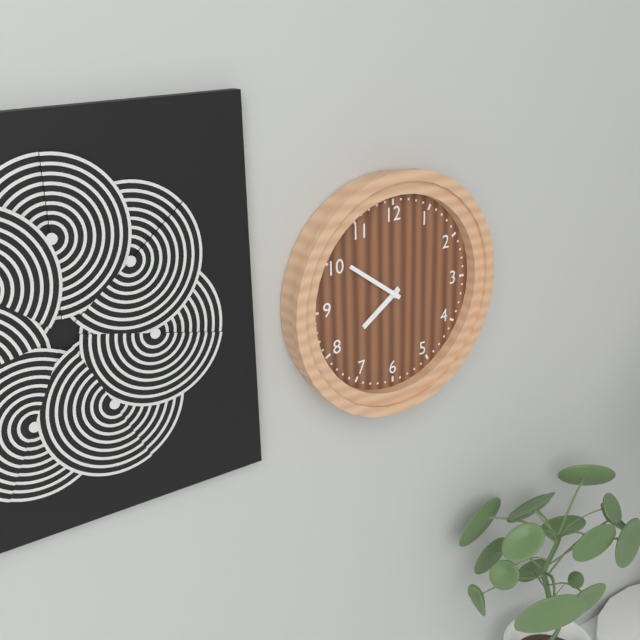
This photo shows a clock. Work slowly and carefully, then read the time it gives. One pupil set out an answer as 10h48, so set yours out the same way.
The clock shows 7h51
